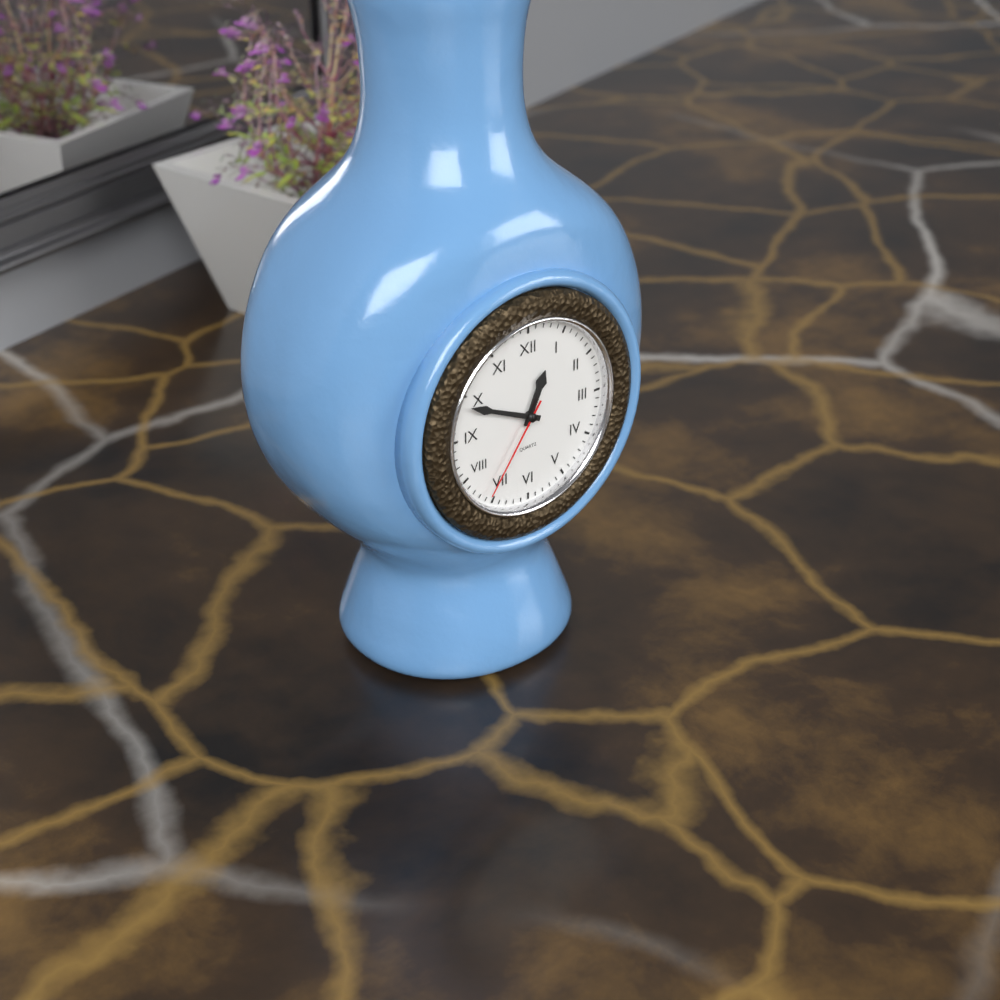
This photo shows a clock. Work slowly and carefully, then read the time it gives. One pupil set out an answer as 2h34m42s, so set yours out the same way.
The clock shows 12h49m36s
